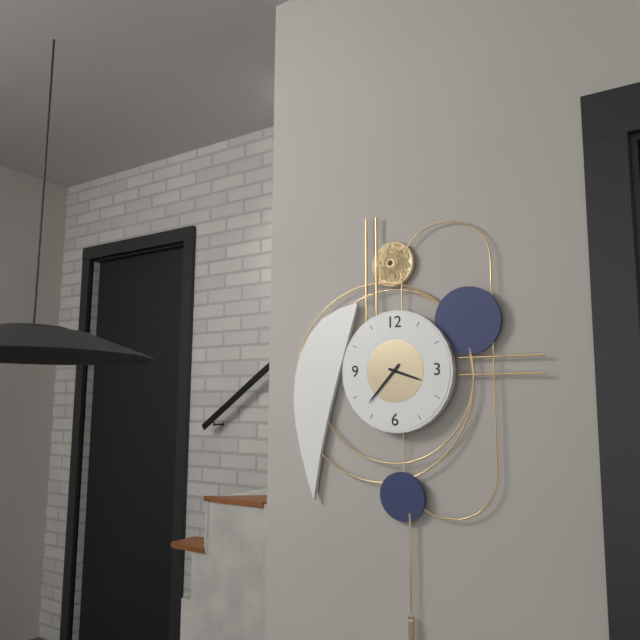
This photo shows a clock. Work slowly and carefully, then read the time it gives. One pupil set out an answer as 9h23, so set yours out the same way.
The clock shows 3h37
